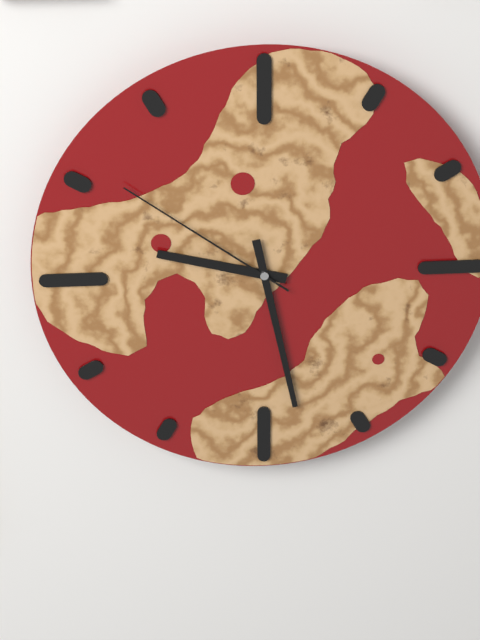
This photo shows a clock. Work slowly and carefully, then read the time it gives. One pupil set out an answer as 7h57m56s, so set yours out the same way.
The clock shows 9h28m51s
